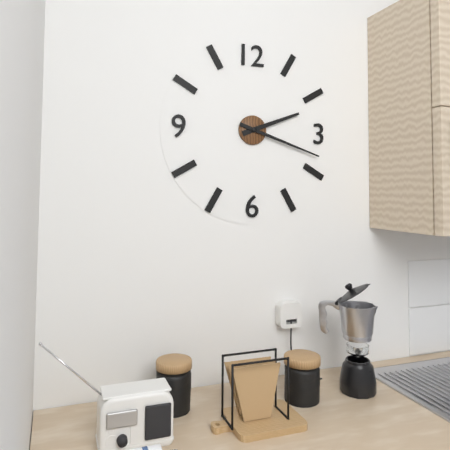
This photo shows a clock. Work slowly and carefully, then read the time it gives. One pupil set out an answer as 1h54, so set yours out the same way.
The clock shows 2h18
